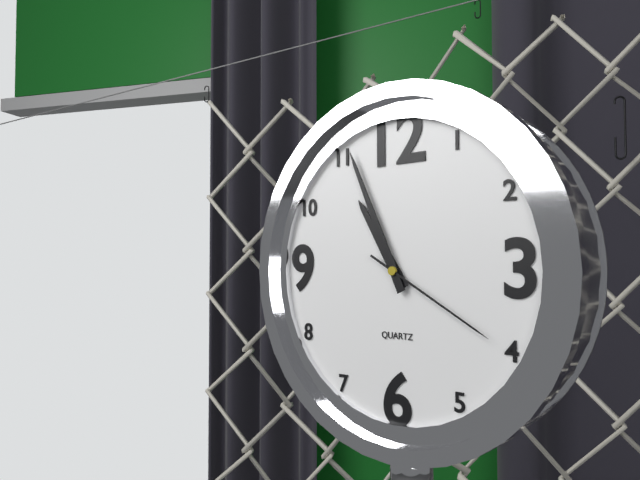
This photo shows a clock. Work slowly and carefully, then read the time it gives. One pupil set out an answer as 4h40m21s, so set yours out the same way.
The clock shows 10h56m20s
